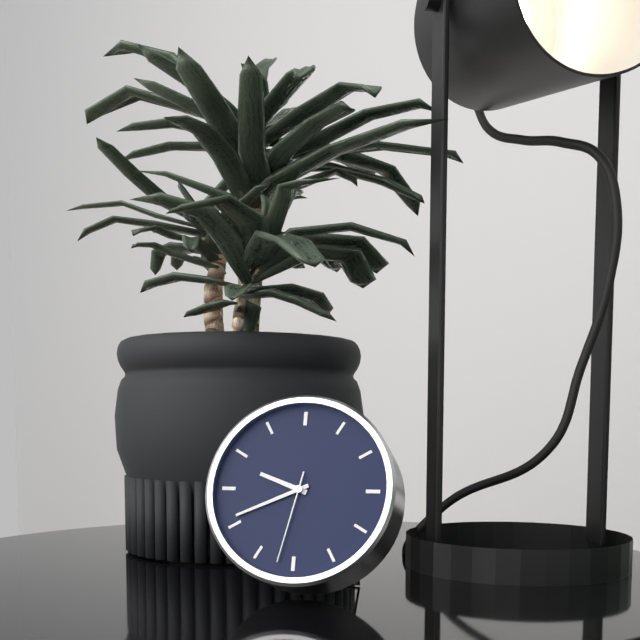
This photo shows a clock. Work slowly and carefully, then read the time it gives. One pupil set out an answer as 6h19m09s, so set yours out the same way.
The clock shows 9h41m32s
